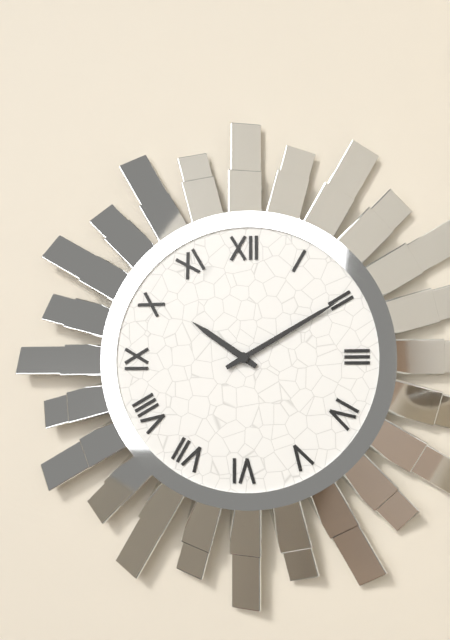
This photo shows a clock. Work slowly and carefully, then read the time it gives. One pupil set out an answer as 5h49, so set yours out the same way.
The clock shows 10h10
